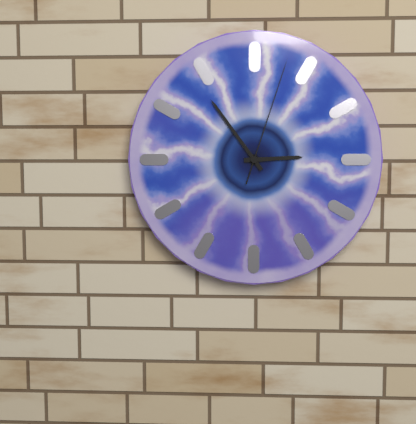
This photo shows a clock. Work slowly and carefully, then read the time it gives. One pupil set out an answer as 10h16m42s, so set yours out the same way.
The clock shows 2h54m03s
